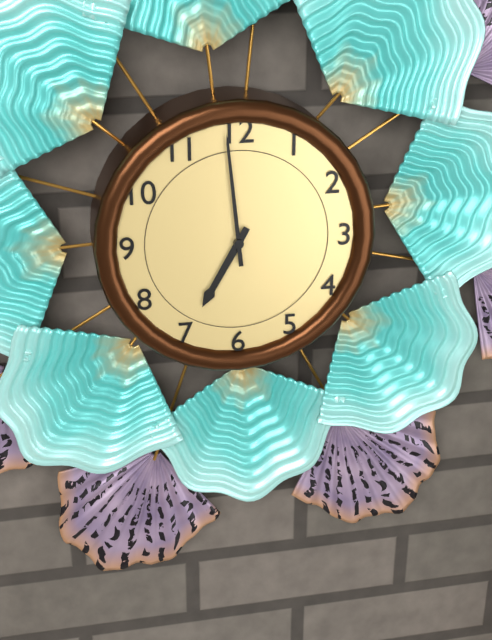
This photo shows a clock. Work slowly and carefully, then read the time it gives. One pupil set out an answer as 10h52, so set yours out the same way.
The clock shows 6h59
